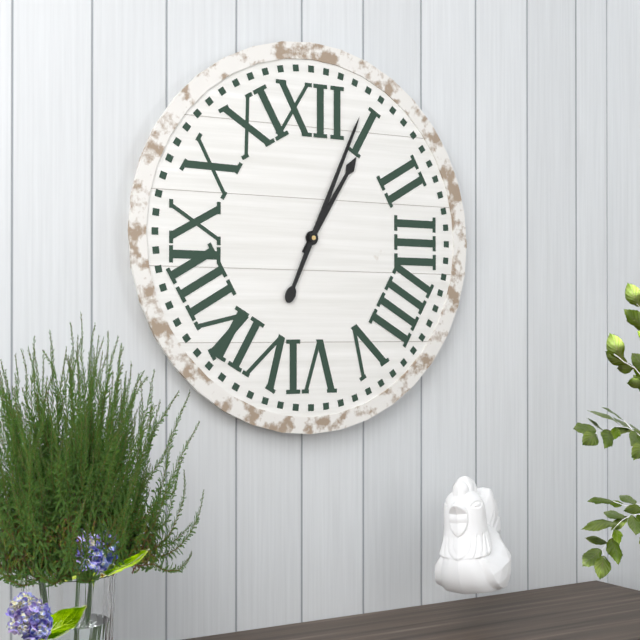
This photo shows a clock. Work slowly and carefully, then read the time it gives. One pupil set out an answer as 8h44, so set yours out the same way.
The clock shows 1h04
